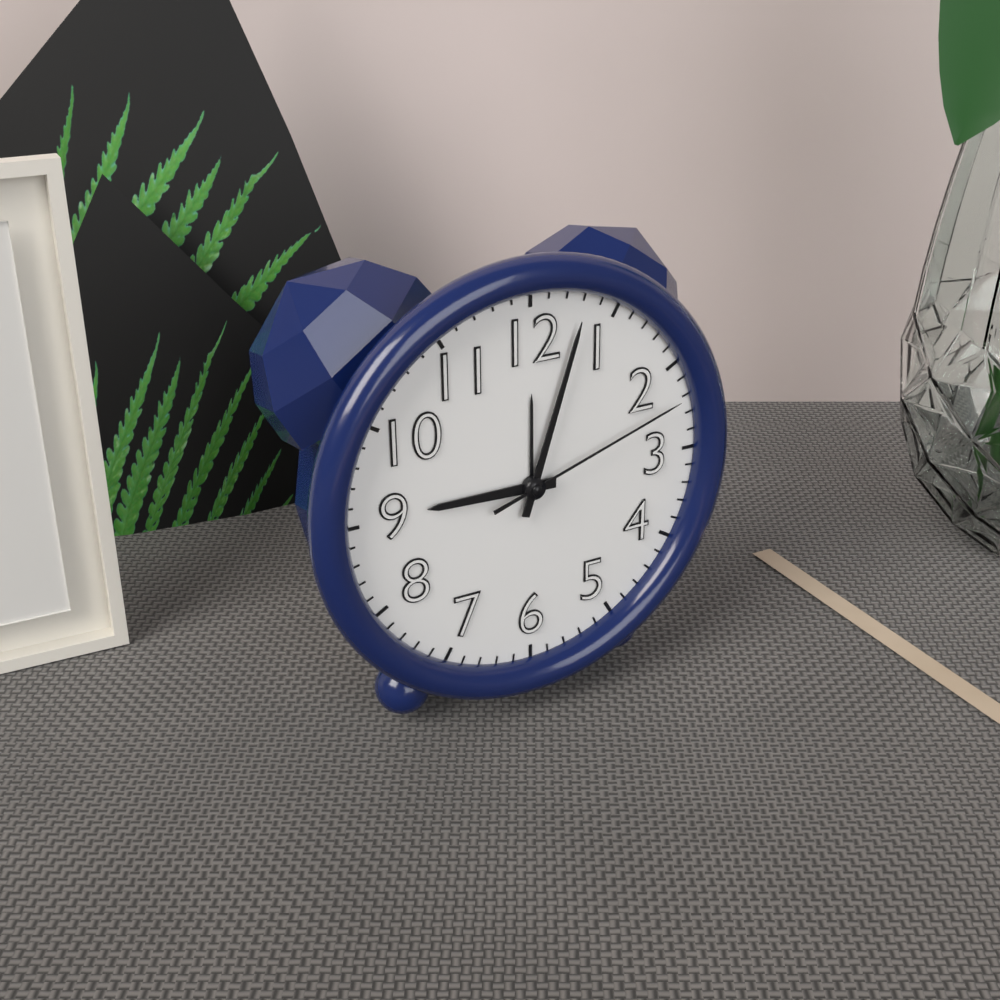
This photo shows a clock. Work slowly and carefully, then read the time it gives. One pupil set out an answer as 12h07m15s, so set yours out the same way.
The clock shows 9h03m12s
